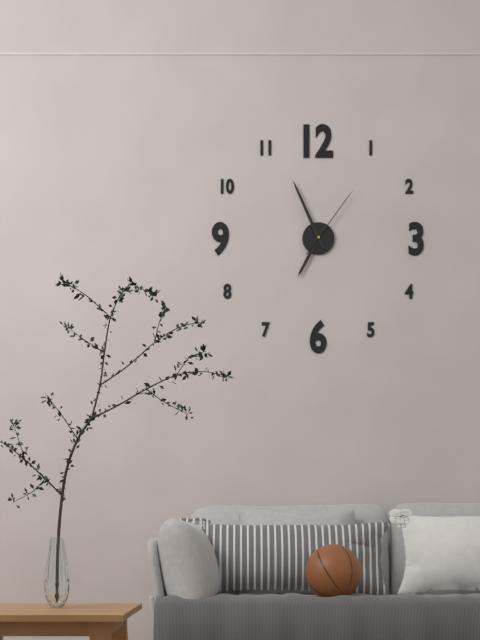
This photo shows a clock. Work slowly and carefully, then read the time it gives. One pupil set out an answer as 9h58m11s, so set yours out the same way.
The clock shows 6h56m06s
